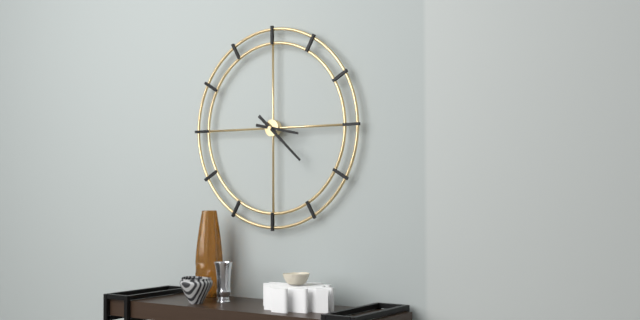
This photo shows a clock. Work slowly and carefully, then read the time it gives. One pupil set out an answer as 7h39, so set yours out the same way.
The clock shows 3h22
